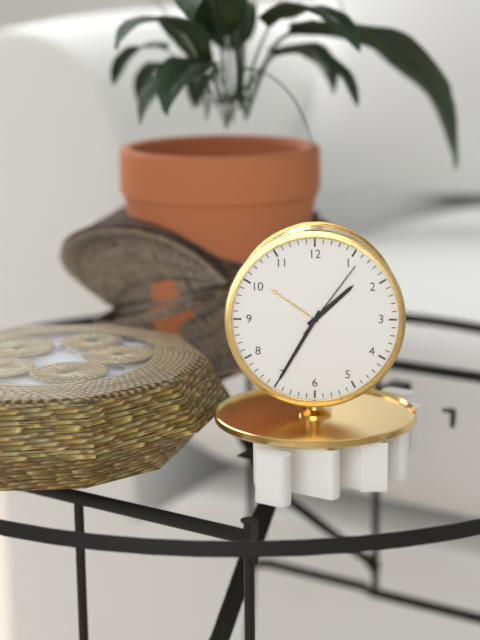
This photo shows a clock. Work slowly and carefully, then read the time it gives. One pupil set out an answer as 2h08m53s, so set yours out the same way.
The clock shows 1h35m06s
